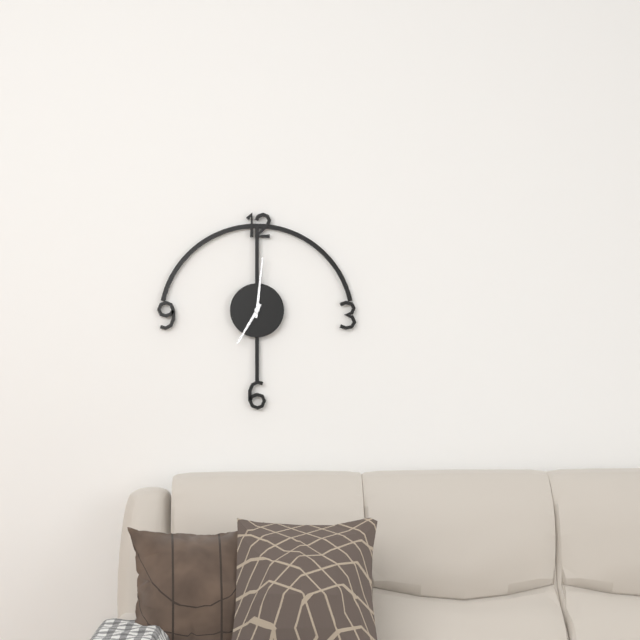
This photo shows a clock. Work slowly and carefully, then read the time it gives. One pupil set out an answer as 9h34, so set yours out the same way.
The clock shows 7h01
